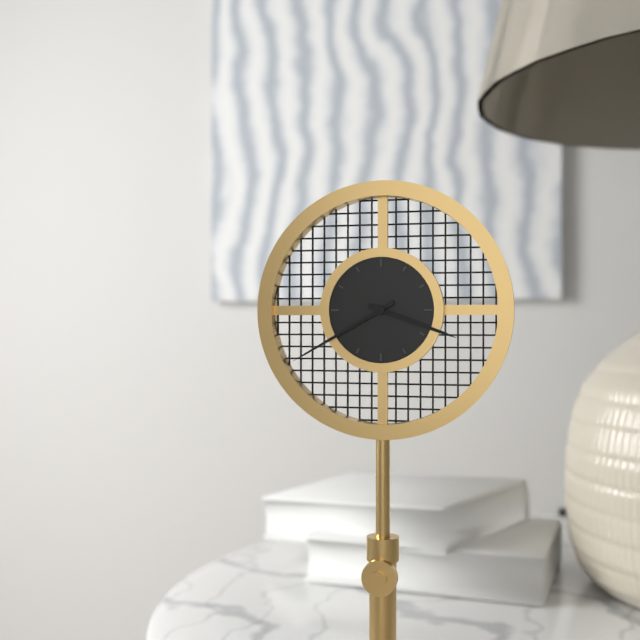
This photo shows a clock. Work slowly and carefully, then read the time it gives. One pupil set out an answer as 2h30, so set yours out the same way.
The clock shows 3h40
